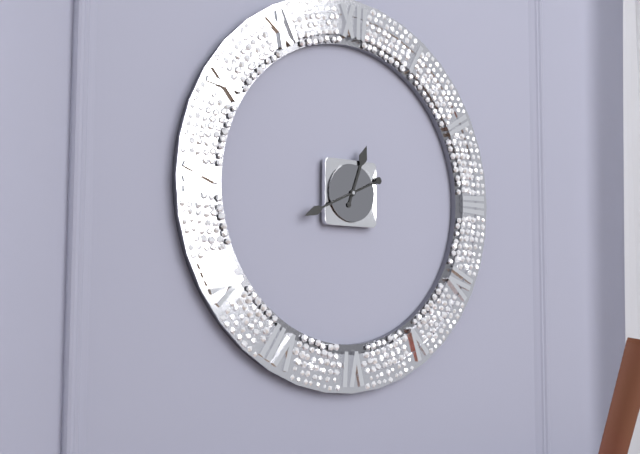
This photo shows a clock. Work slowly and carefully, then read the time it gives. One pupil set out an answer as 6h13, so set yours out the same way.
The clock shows 12h41
